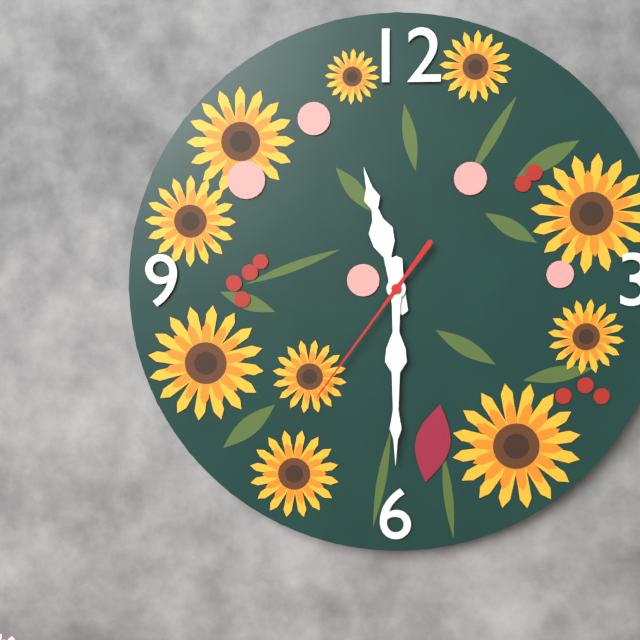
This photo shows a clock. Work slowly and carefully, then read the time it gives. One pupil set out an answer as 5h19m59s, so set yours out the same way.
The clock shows 11h30m36s
